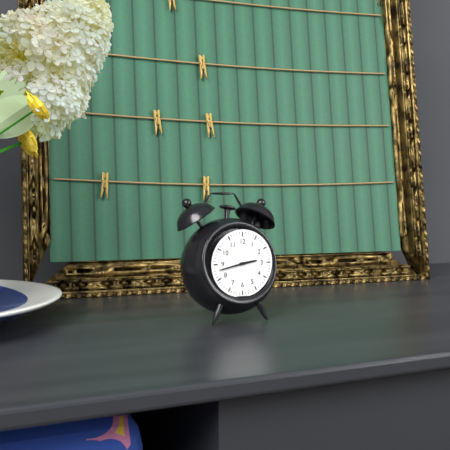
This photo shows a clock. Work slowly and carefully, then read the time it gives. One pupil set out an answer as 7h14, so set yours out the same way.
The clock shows 2h43
